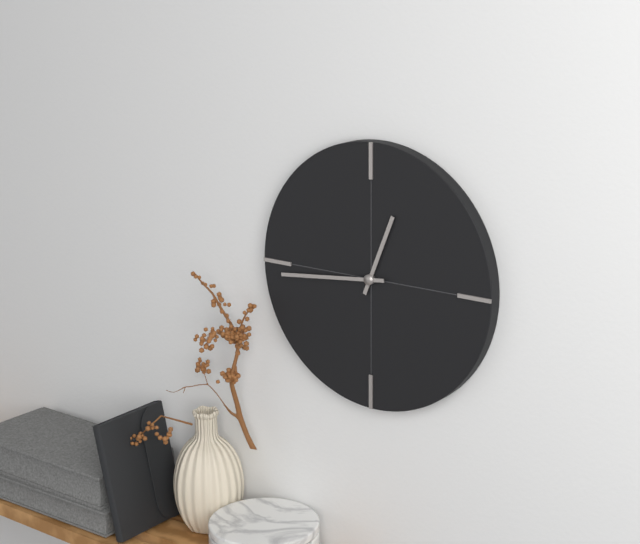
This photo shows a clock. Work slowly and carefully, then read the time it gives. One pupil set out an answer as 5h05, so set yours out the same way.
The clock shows 12h44
